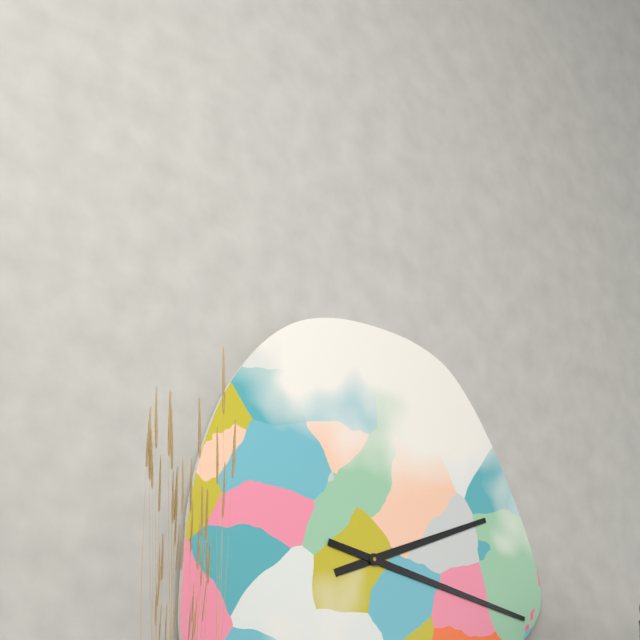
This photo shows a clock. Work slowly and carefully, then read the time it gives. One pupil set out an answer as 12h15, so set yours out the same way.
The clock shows 2h17
